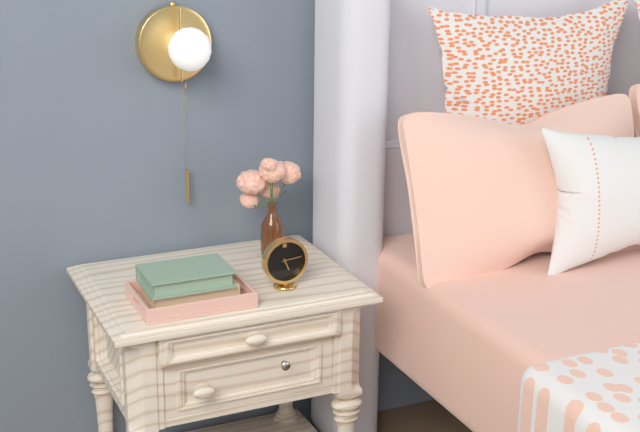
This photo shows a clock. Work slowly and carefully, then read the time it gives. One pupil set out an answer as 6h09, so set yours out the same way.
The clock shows 5h14
